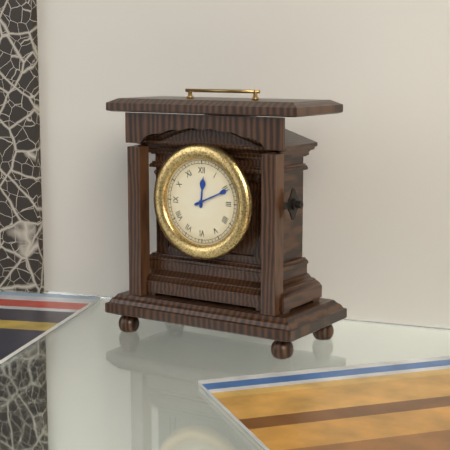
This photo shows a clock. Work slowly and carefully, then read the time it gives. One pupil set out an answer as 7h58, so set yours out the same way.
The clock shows 12h11
